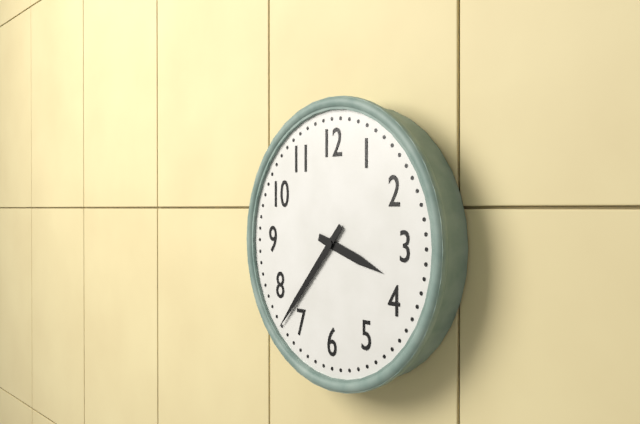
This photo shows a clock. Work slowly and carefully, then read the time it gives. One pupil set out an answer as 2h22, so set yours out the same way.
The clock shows 3h37
